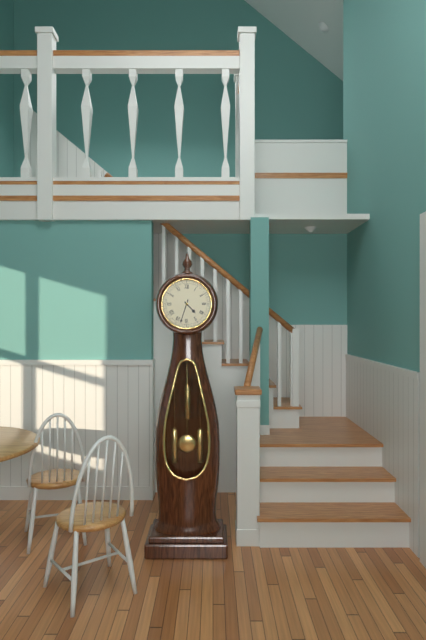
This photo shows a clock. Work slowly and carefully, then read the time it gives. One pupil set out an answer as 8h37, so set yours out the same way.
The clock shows 4h33
